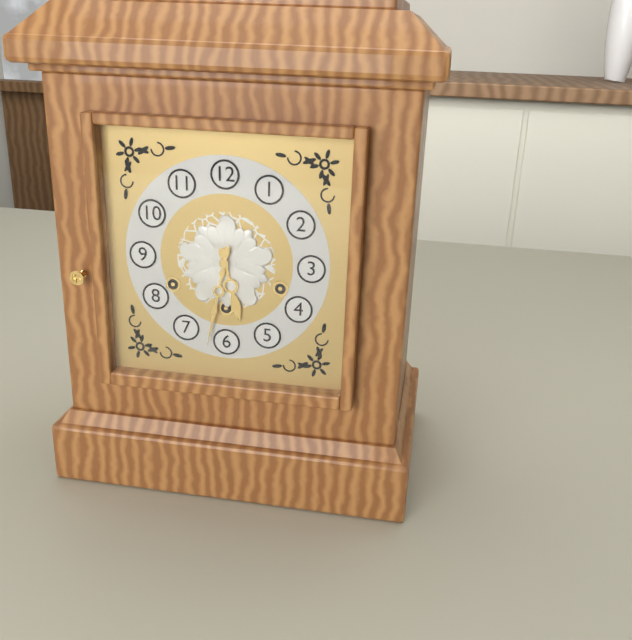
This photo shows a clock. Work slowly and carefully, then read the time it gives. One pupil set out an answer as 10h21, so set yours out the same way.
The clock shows 5h32
